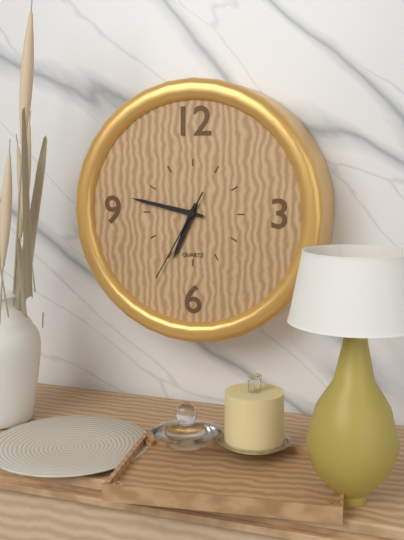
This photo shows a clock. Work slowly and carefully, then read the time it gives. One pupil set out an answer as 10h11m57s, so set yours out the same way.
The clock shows 6h47m35s
